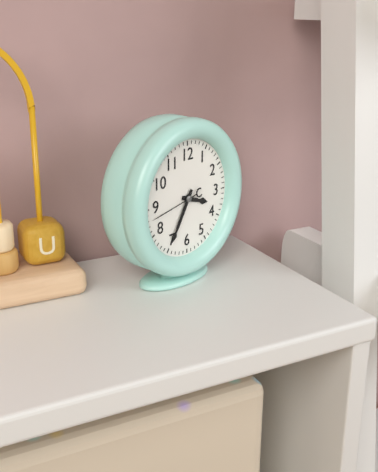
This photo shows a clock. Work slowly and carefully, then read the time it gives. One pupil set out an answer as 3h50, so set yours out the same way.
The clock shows 3h35
